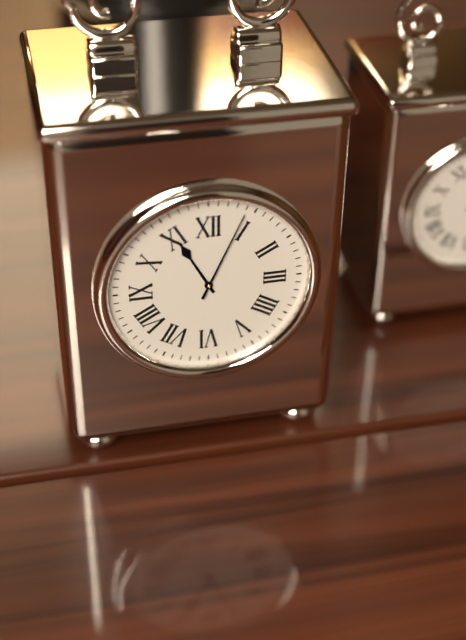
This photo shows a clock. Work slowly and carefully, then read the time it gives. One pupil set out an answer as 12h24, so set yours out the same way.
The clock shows 11h04
